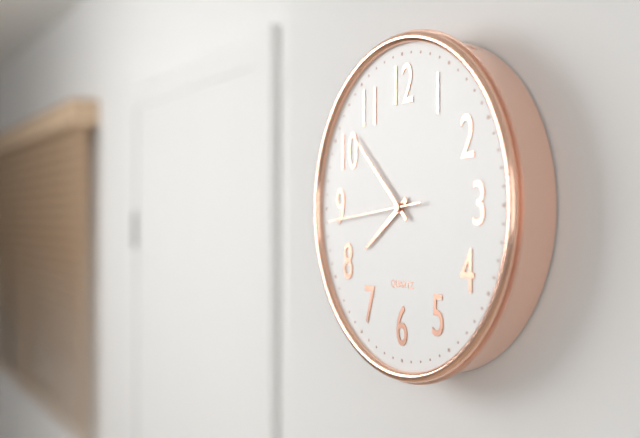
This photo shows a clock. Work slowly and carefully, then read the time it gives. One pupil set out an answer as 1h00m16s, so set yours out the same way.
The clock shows 7h52m44s
